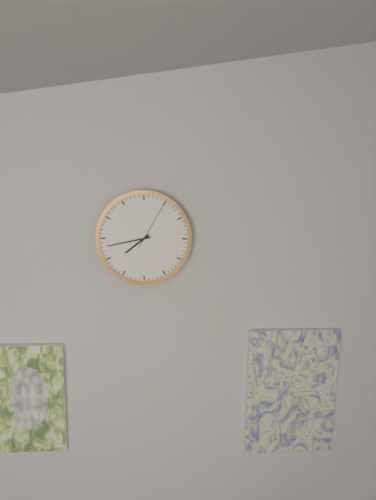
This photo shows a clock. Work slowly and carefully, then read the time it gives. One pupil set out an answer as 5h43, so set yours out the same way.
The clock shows 7h43
